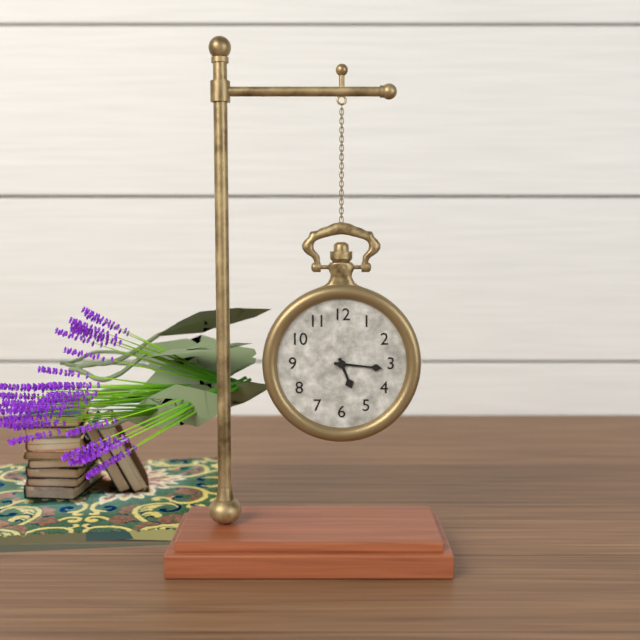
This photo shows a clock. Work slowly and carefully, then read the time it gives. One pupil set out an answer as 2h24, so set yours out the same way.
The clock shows 5h16
